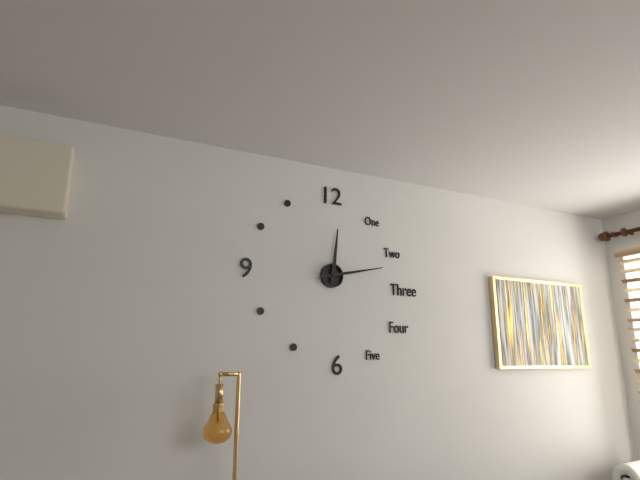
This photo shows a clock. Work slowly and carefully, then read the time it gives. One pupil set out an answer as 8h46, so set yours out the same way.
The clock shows 12h13
